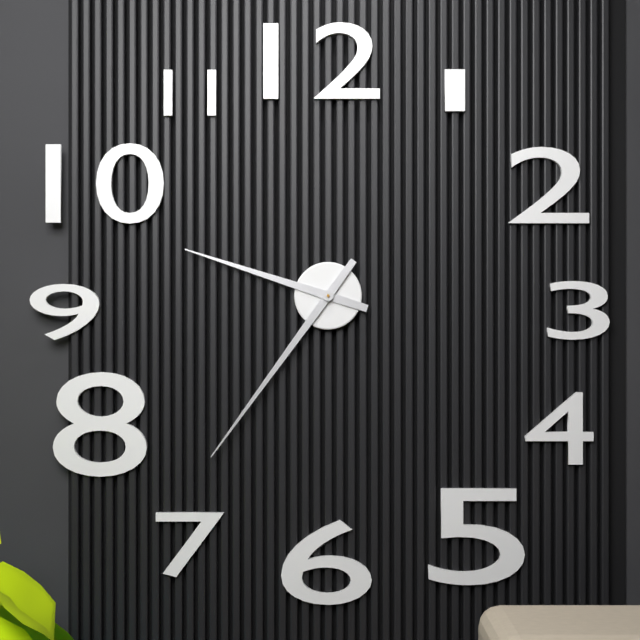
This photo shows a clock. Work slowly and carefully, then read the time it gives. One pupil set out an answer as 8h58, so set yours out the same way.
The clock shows 9h36
